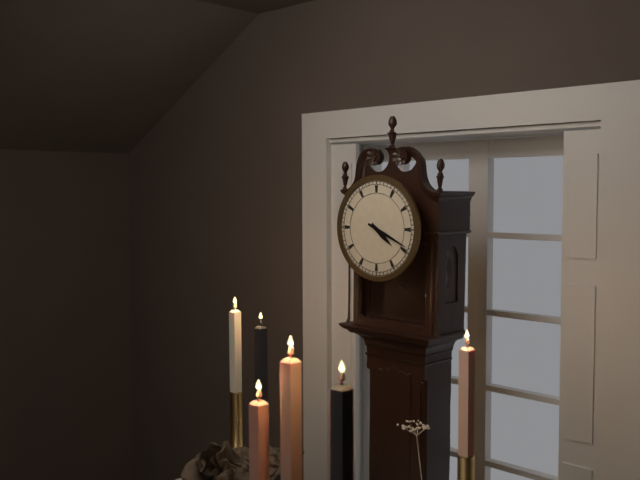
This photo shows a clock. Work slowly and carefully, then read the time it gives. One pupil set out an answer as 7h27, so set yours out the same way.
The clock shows 4h19
